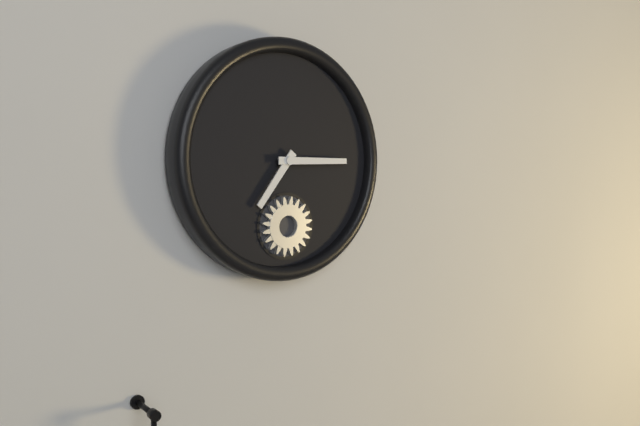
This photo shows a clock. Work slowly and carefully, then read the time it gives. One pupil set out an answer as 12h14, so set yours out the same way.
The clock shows 7h15
